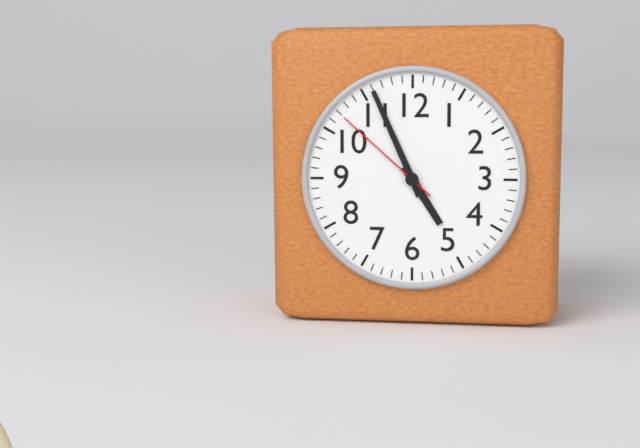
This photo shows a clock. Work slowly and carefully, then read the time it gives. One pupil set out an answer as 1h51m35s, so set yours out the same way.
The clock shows 4h56m52s
